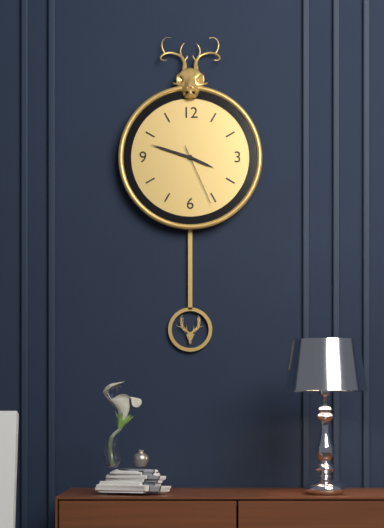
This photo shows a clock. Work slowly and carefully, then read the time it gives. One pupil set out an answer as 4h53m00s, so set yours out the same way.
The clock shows 3h48m26s
